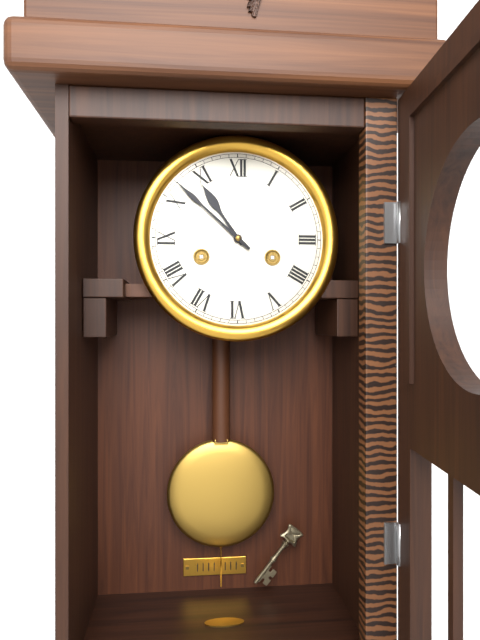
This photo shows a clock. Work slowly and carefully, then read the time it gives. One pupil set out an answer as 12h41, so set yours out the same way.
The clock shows 10h52
